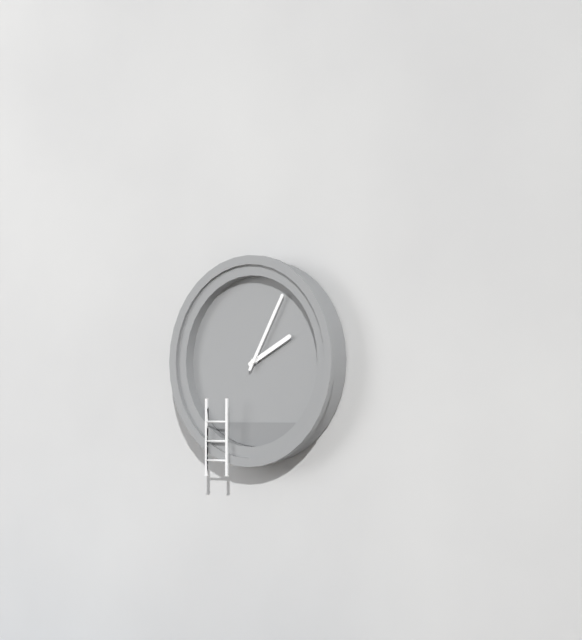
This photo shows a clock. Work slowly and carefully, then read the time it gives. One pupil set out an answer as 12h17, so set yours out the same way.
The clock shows 2h05
